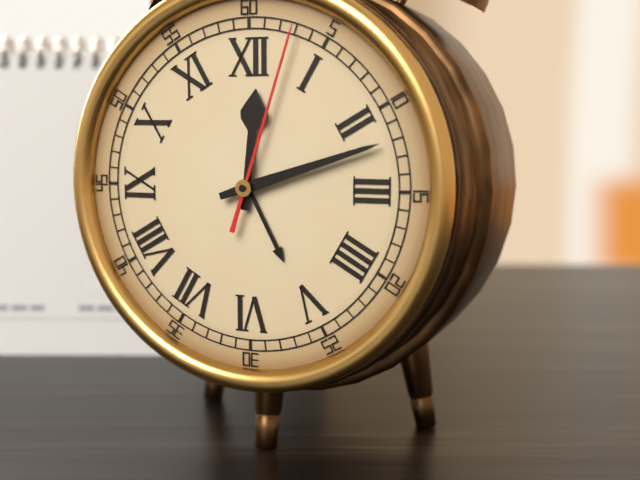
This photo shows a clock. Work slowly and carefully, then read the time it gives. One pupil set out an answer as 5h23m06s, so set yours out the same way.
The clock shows 12h12m03s
